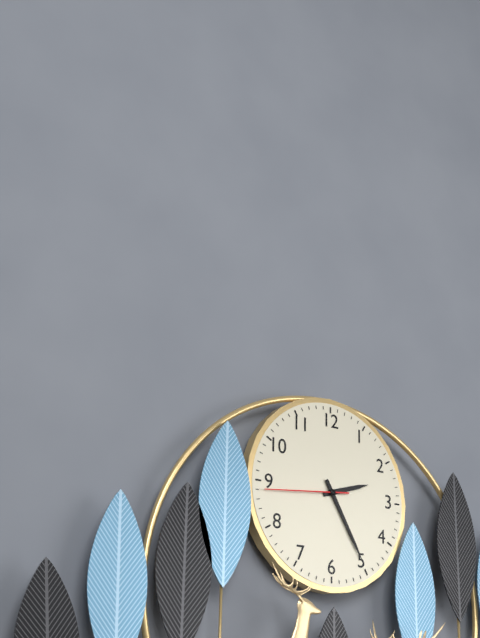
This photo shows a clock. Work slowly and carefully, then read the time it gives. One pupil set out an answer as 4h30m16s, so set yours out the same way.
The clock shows 2h25m44s
